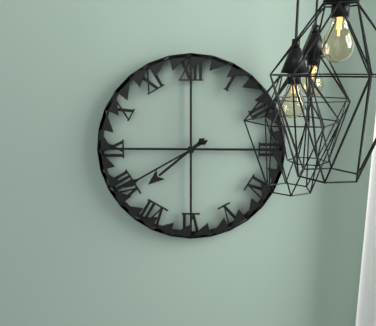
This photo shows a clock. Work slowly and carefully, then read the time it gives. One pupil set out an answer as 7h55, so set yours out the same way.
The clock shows 7h40
